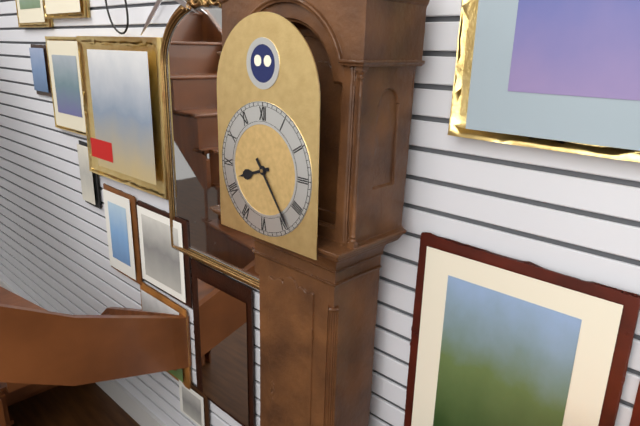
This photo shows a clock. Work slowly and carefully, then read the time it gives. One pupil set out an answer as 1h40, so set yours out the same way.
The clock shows 8h24
